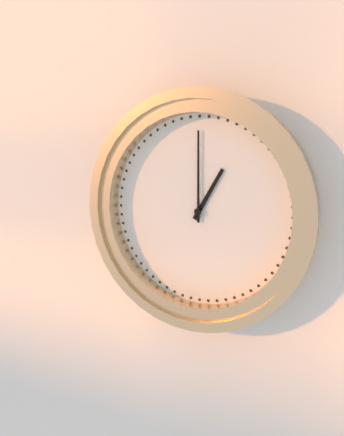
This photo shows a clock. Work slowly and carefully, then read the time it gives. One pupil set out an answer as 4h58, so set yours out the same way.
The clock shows 1h00
